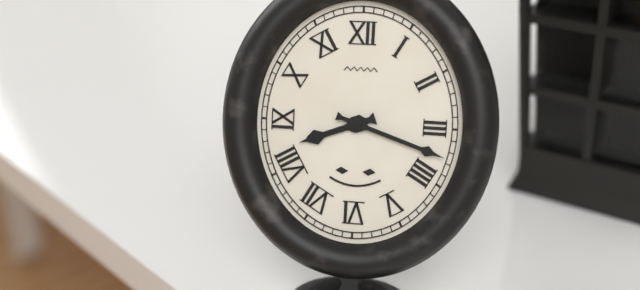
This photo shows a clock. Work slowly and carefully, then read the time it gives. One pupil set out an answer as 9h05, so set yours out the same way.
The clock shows 8h18
